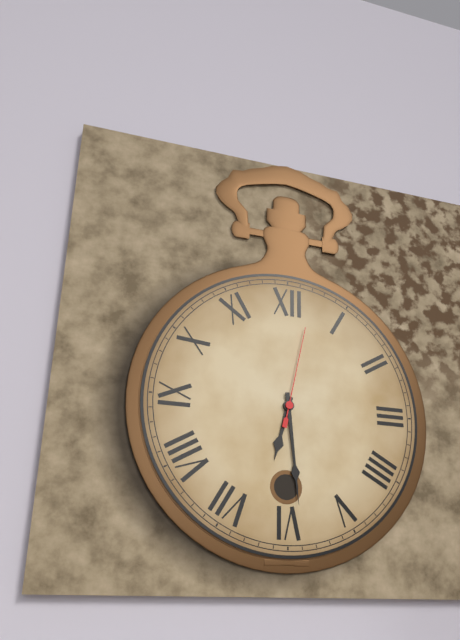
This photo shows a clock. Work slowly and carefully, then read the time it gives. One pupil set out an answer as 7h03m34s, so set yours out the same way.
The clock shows 6h29m02s
